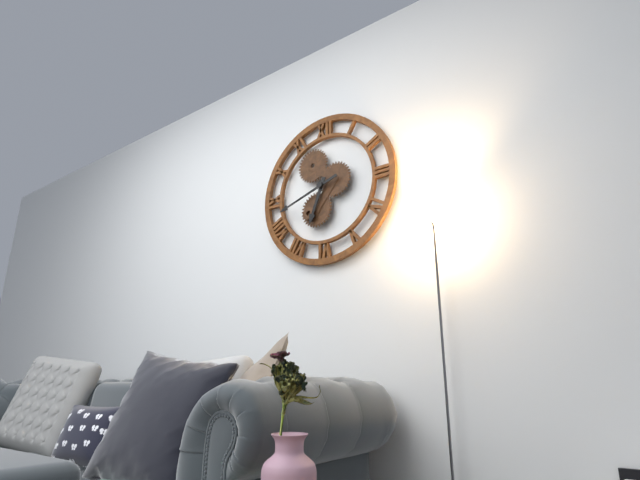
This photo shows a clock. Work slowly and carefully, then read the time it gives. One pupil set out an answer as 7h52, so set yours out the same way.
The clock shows 6h42
